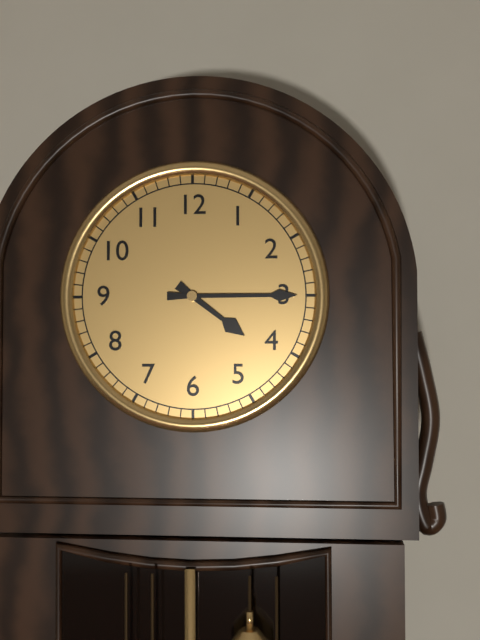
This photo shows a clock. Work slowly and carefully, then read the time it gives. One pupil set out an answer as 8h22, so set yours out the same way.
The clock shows 4h15
